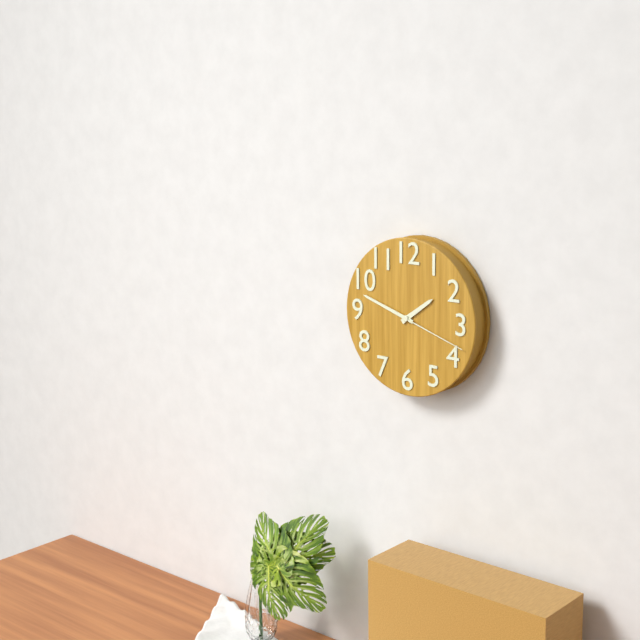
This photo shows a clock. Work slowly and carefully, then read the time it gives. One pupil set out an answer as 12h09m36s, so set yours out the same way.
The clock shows 1h48m18s
